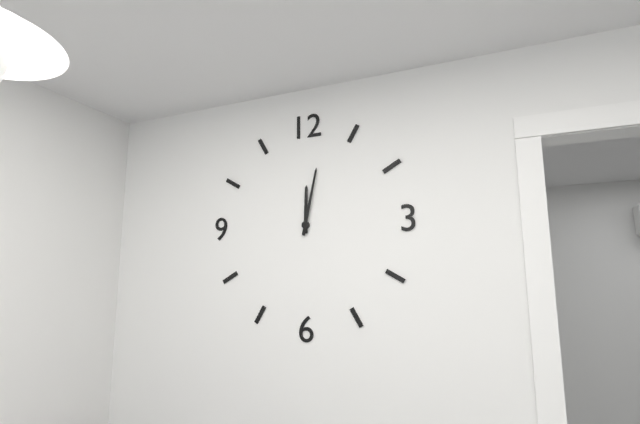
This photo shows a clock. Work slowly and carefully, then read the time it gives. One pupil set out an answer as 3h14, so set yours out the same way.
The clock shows 12h02
